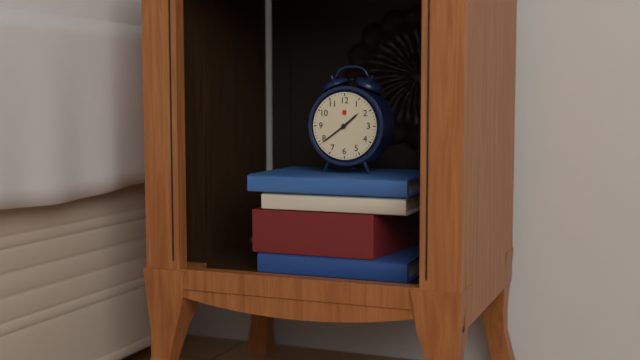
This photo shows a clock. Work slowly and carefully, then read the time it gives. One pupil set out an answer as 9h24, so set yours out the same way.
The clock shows 1h39
